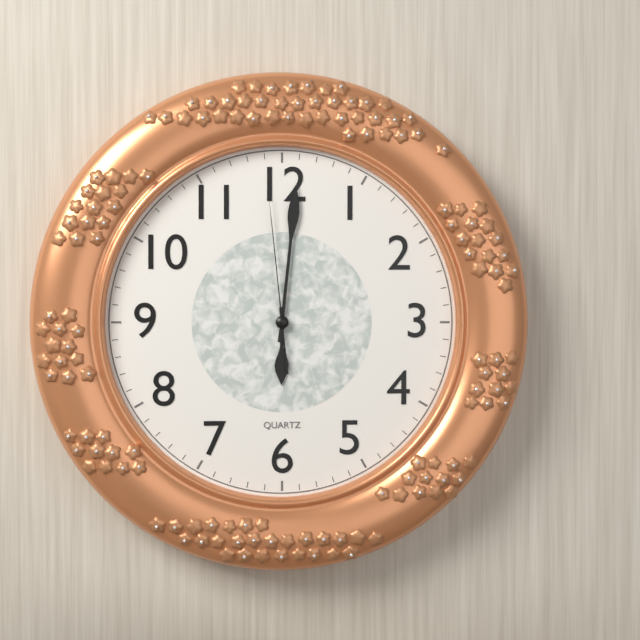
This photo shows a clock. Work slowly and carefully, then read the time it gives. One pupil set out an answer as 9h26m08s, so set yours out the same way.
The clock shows 6h01m59s
